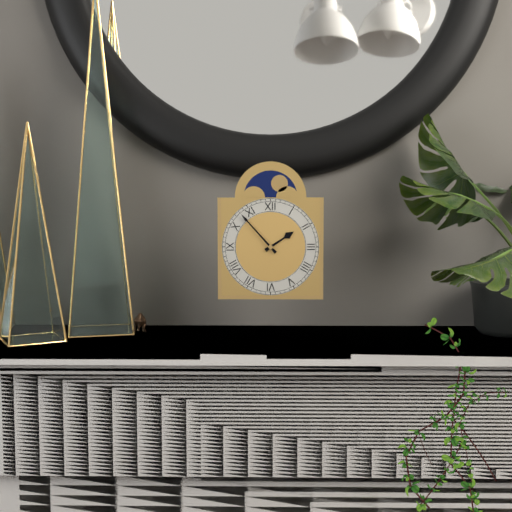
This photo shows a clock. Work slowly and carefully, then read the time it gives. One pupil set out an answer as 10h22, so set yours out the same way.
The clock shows 1h53
